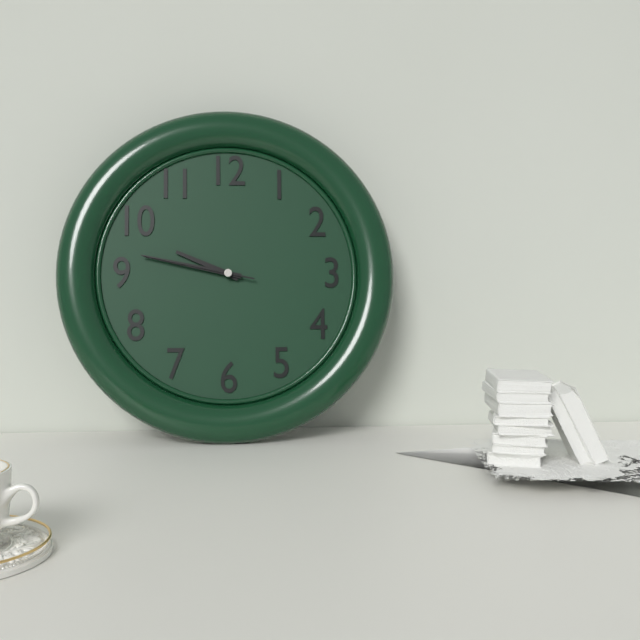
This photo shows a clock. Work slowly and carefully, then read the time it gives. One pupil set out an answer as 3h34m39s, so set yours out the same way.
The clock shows 9h47m47s
